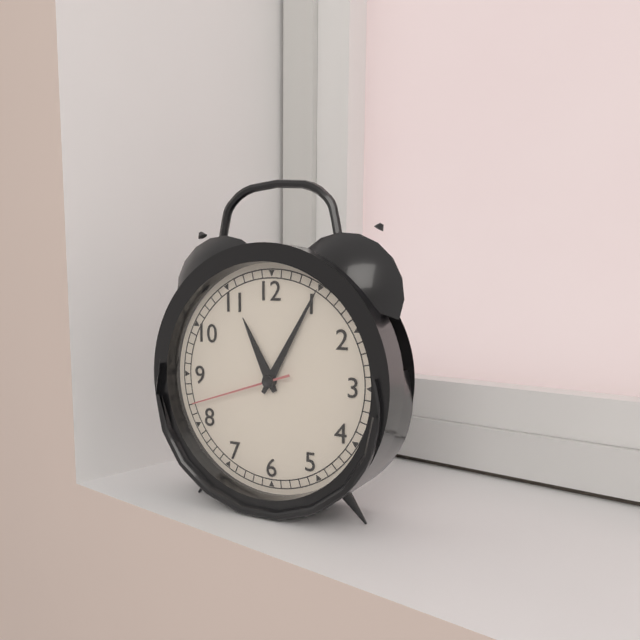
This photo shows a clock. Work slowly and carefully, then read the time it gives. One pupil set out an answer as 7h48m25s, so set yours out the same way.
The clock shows 11h05m42s
